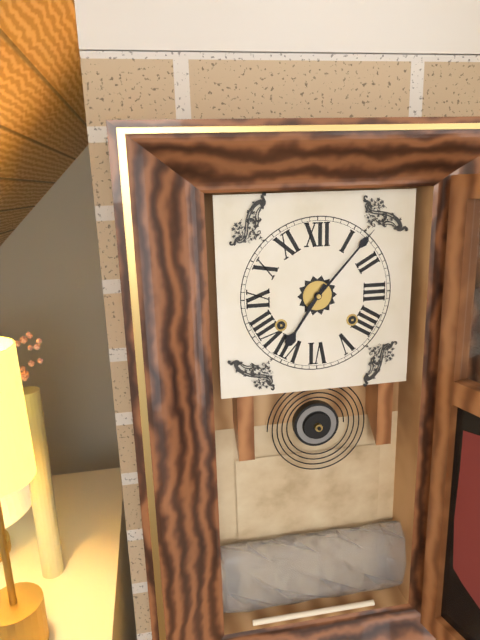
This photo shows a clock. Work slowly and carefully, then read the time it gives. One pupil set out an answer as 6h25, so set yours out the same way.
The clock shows 7h07
